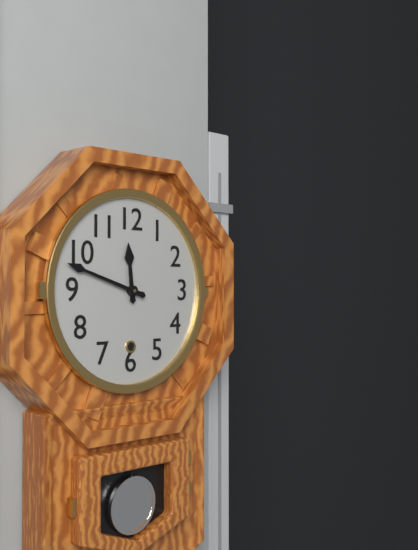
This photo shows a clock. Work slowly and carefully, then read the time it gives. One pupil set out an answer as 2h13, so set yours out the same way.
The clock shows 11h48
